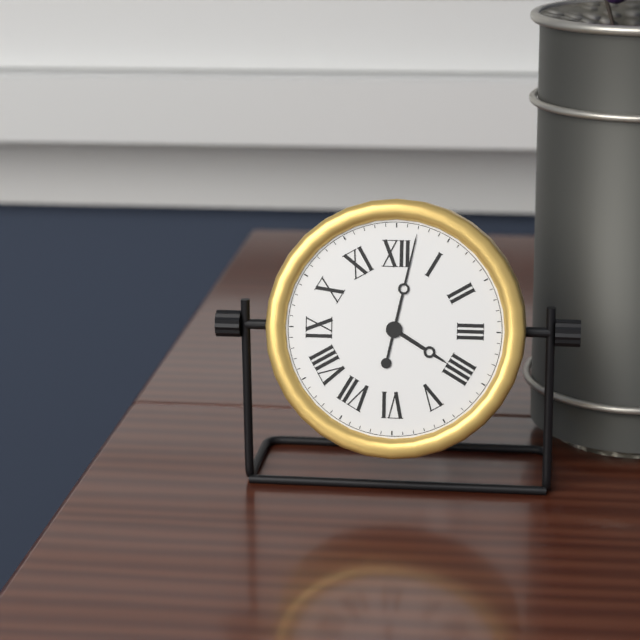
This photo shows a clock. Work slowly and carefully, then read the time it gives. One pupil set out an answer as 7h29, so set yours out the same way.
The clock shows 4h02
